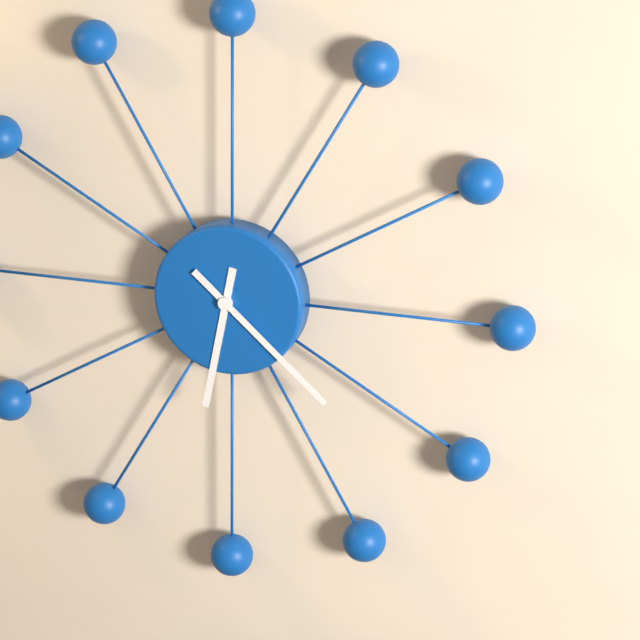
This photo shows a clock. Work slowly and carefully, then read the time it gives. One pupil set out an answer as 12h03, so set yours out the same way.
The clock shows 6h22
